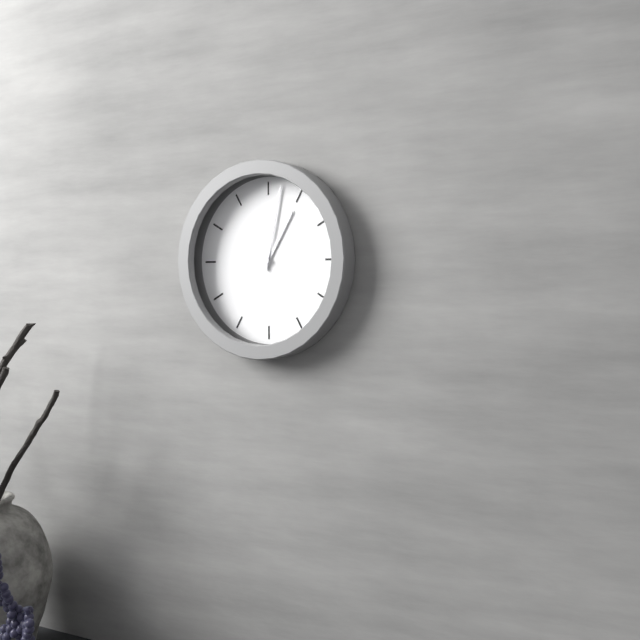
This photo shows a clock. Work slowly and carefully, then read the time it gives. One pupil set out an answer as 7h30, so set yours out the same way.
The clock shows 1h02
